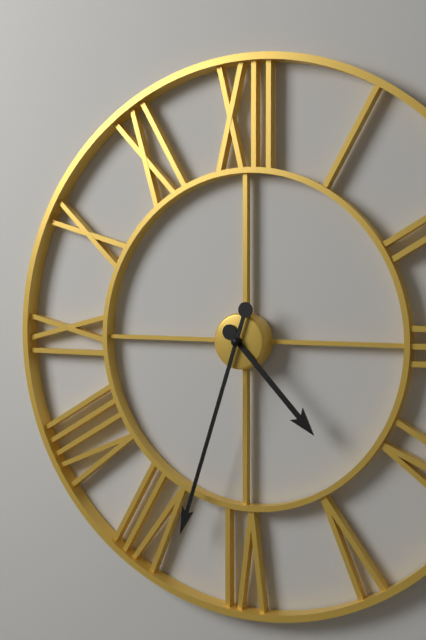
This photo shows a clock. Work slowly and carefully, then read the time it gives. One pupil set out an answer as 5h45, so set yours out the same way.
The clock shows 4h33
